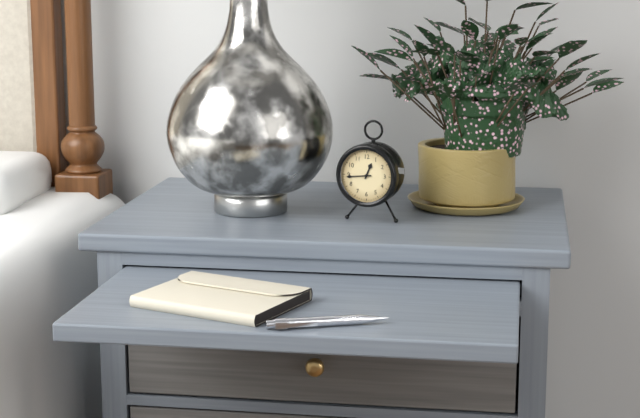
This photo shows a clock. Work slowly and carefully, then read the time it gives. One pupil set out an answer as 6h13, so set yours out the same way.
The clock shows 12h44
